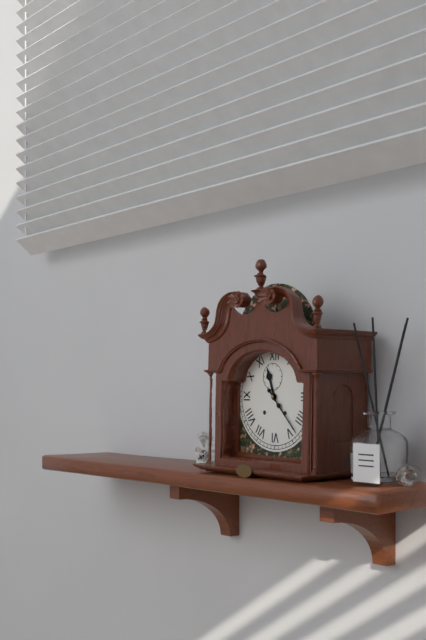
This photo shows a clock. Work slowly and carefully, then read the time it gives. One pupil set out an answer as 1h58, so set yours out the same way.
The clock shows 11h23
